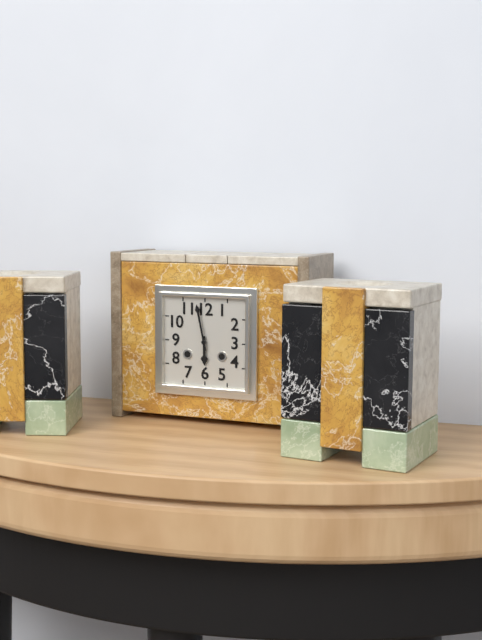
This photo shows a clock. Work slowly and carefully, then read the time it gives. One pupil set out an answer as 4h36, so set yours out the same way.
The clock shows 5h58
